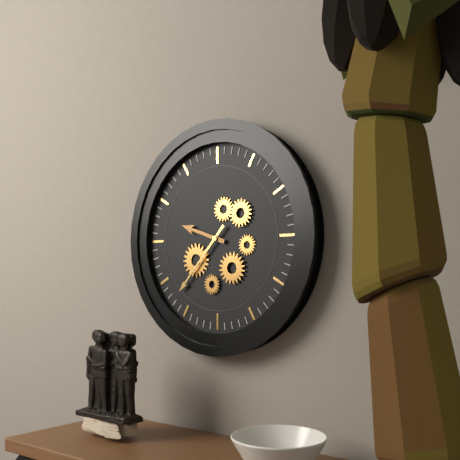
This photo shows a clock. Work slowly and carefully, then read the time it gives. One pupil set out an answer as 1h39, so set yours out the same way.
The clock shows 9h37
